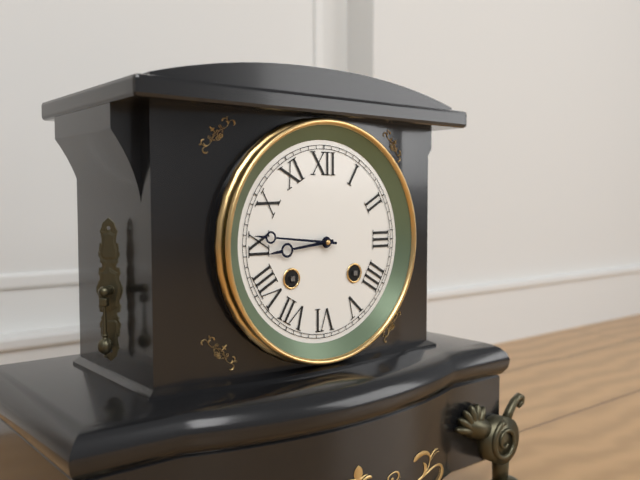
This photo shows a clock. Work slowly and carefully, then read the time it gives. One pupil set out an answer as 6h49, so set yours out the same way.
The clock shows 8h46
